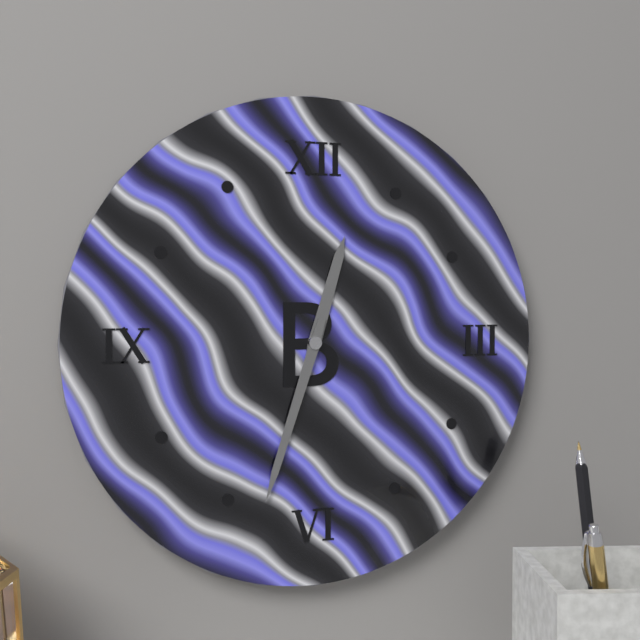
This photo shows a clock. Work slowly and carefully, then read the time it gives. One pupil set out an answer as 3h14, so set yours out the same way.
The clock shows 12h33
